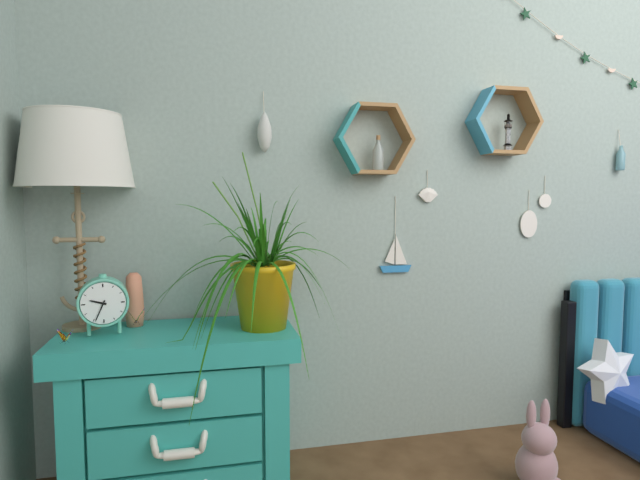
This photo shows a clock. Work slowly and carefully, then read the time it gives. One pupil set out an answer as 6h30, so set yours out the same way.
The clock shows 9h34
